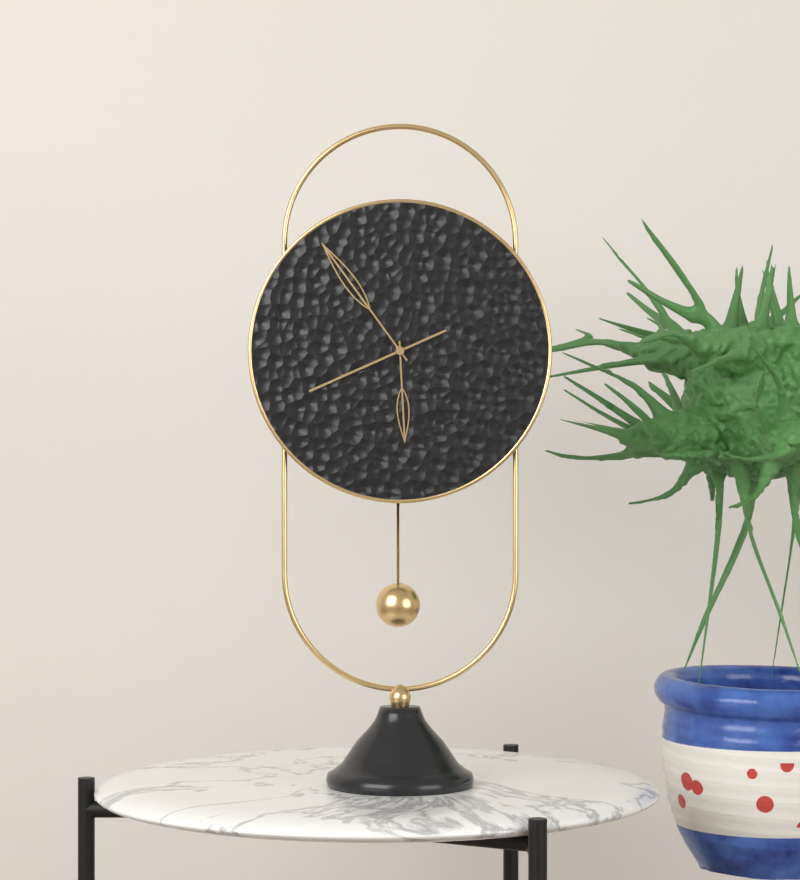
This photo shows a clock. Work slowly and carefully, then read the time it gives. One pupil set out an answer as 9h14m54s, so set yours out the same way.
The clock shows 5h54m41s
